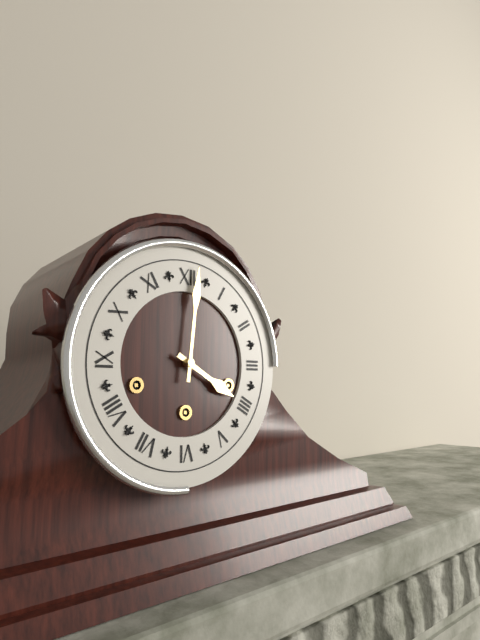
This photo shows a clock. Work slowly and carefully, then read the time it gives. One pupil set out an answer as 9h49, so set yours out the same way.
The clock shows 4h01
